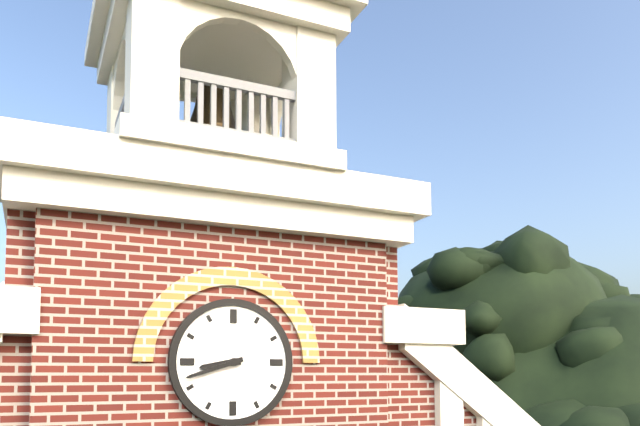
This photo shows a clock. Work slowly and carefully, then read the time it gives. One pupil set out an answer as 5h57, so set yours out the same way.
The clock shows 8h42
